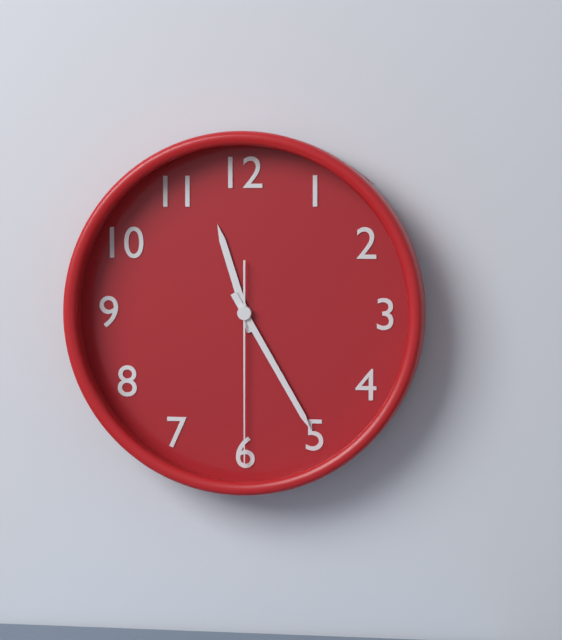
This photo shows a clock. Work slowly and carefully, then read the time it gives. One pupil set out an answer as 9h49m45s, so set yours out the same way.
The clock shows 11h25m30s
